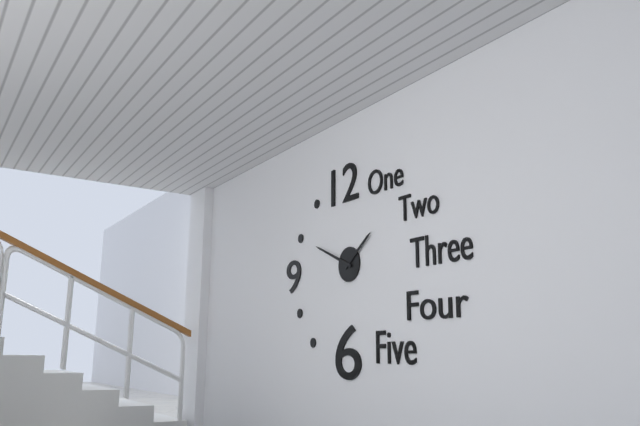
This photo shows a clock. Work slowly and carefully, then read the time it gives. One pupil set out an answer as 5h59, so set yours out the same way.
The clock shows 1h49
